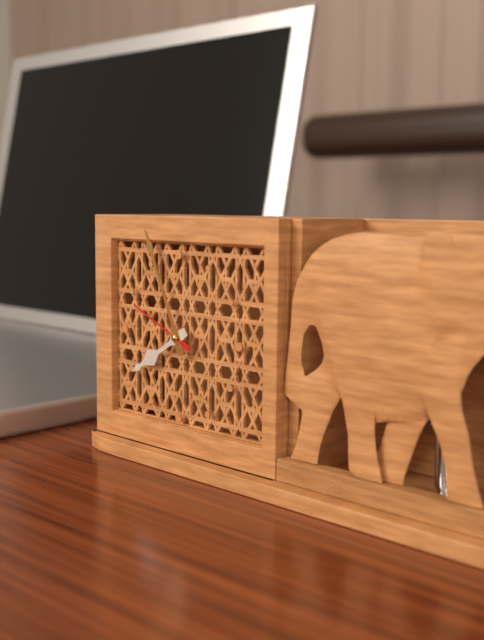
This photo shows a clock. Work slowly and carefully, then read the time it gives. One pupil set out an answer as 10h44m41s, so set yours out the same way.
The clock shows 7h56m49s
